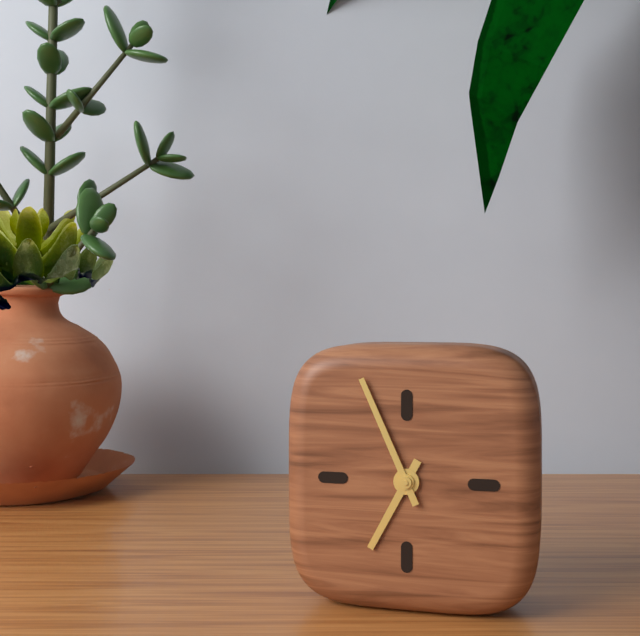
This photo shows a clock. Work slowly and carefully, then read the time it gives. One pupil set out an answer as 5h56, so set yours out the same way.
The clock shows 6h56
